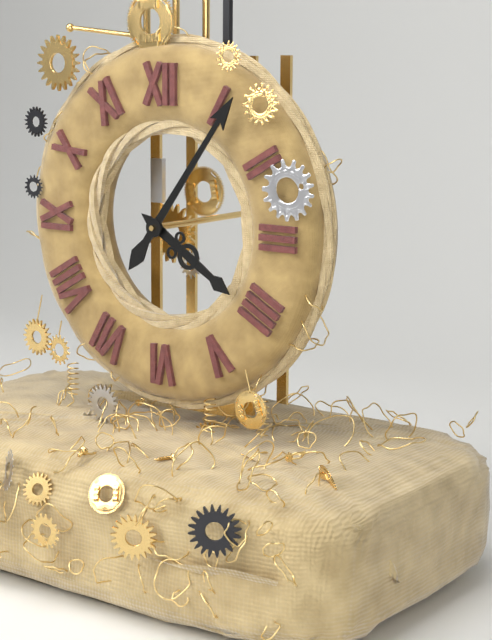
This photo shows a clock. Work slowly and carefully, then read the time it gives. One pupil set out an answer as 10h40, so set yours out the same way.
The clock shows 4h06
